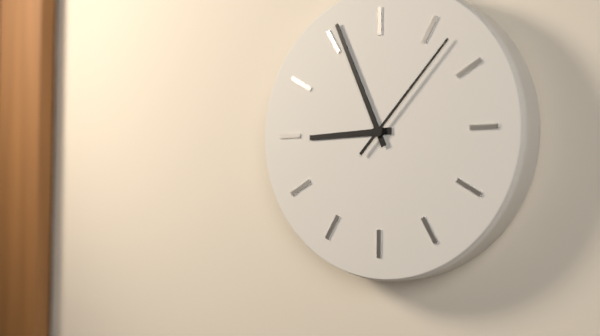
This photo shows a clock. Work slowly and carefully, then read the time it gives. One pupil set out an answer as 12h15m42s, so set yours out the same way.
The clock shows 8h56m07s
